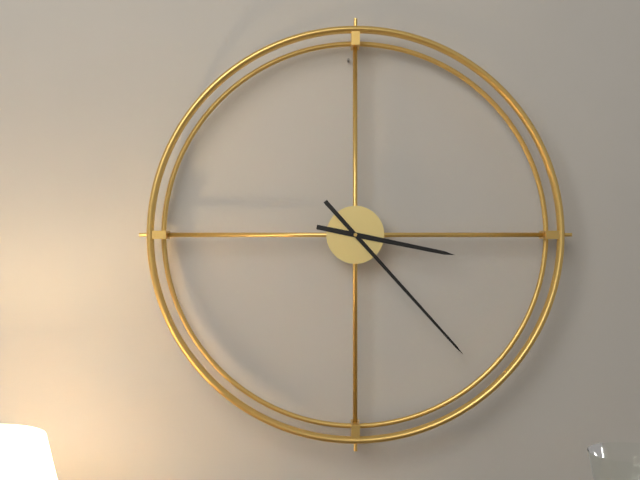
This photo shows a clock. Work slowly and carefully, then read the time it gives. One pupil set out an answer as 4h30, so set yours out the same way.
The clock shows 3h23
